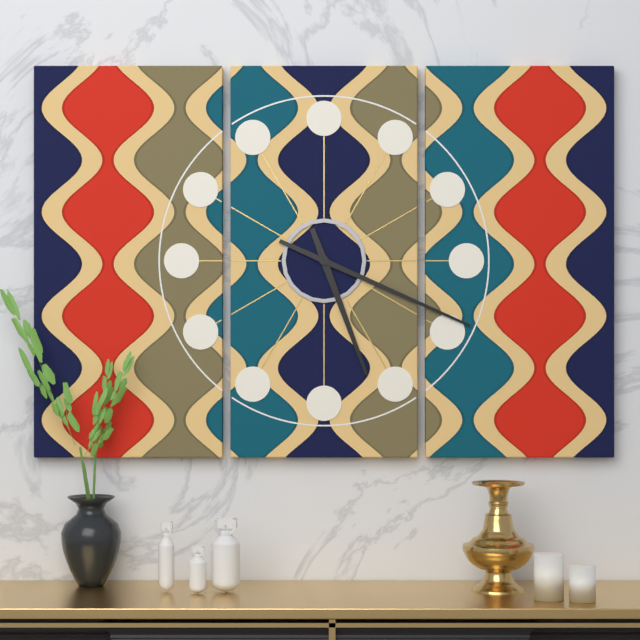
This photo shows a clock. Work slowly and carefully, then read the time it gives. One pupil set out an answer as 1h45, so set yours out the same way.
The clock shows 5h19
